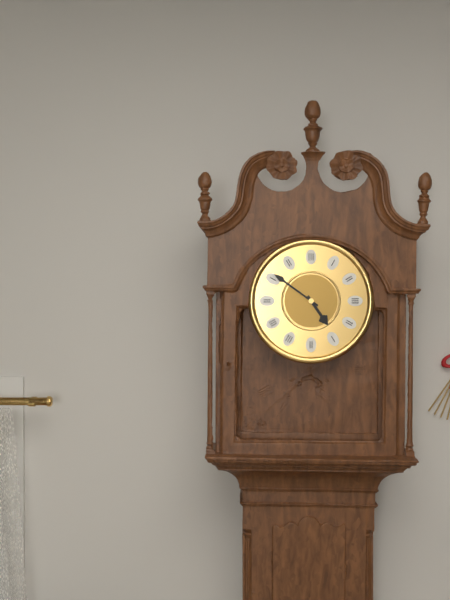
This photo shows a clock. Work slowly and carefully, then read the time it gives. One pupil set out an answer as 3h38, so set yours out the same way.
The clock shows 4h51
